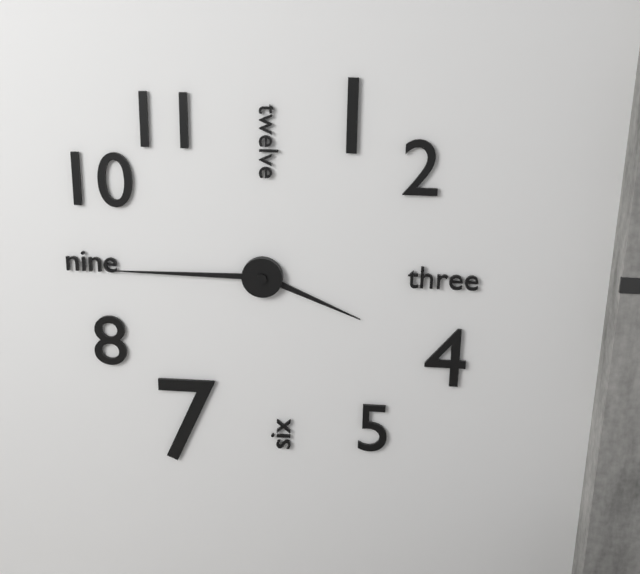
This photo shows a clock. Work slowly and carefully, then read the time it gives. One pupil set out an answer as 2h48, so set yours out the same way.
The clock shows 3h45
